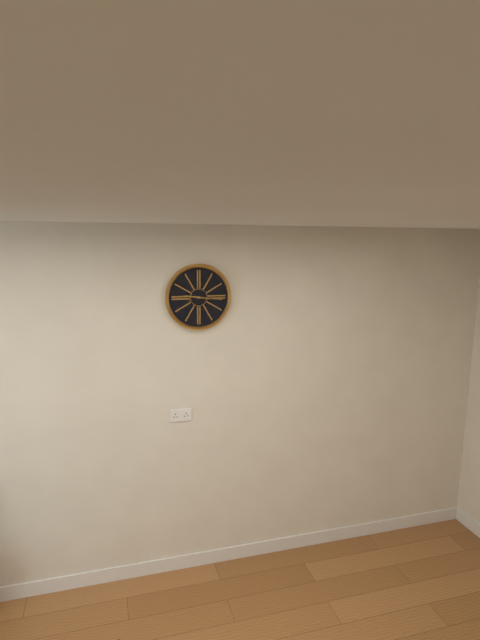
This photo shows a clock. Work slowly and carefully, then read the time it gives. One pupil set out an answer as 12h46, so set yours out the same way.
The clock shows 9h16
